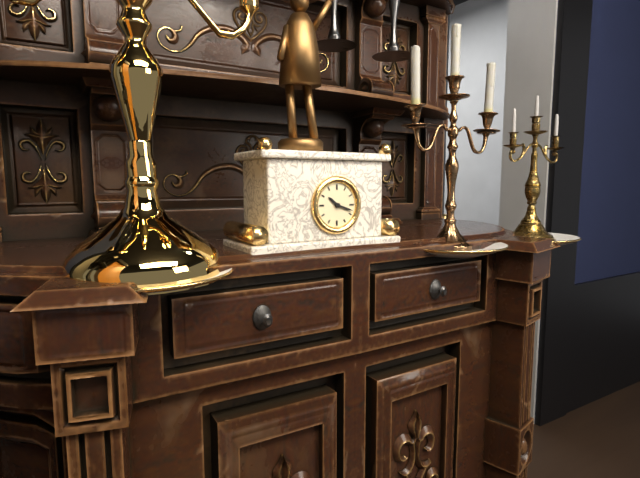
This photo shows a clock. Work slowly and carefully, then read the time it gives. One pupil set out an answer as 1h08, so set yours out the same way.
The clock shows 10h18
